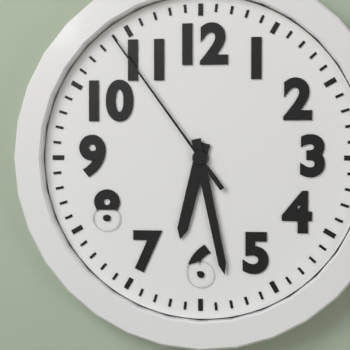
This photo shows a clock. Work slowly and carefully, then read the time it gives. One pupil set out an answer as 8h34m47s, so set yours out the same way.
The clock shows 6h28m54s
